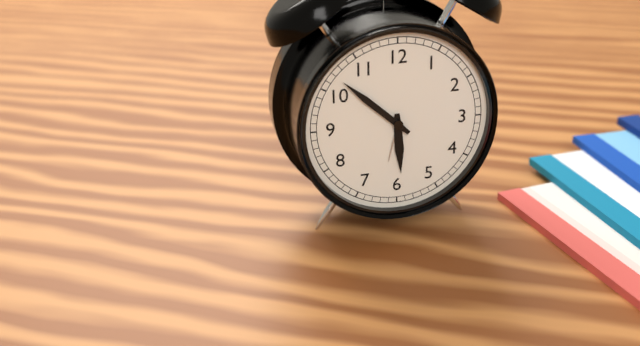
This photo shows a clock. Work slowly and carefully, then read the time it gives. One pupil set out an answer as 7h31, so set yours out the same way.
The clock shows 5h52
